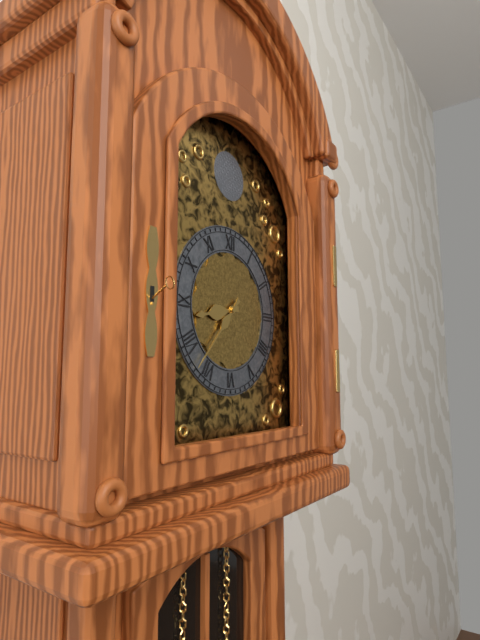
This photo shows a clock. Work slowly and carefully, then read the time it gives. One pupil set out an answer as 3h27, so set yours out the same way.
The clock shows 8h37
